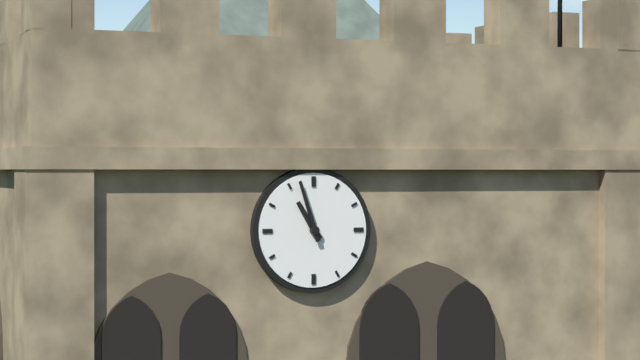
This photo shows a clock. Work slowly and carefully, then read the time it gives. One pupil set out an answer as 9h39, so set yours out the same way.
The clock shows 10h57
